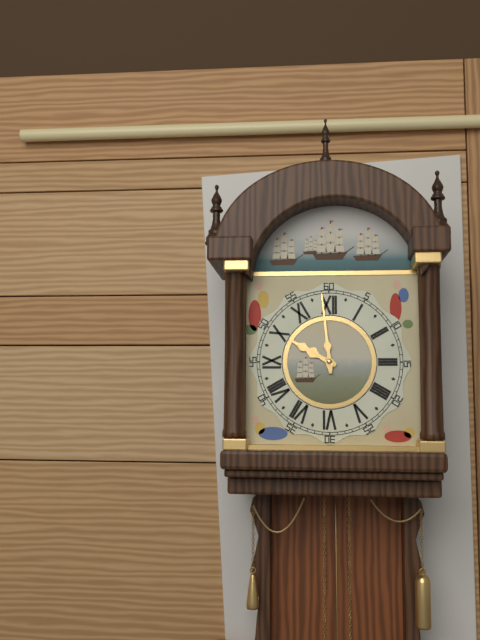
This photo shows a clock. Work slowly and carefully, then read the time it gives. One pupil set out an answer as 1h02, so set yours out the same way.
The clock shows 9h59
